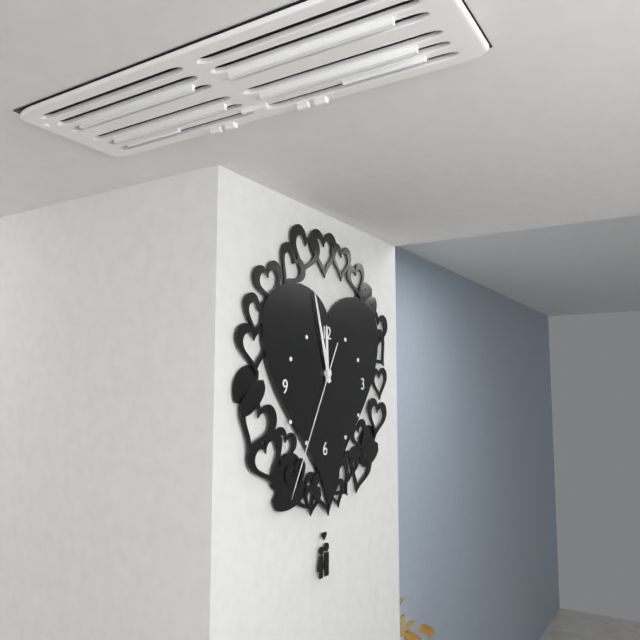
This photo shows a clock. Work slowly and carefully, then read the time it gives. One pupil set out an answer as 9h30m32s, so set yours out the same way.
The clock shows 11h57m35s
